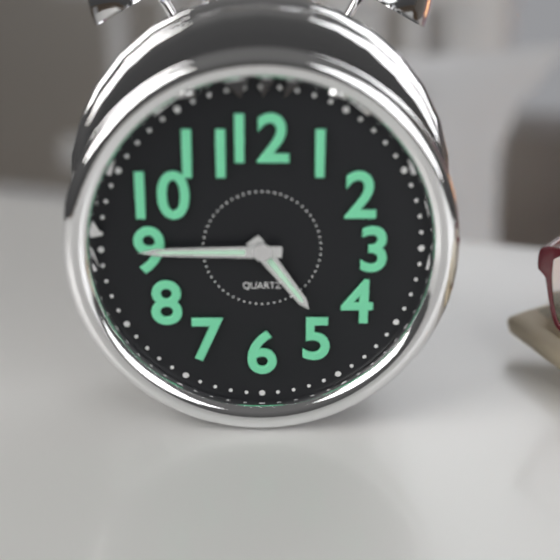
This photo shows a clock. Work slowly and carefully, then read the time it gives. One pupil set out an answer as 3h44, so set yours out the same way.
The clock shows 4h45
